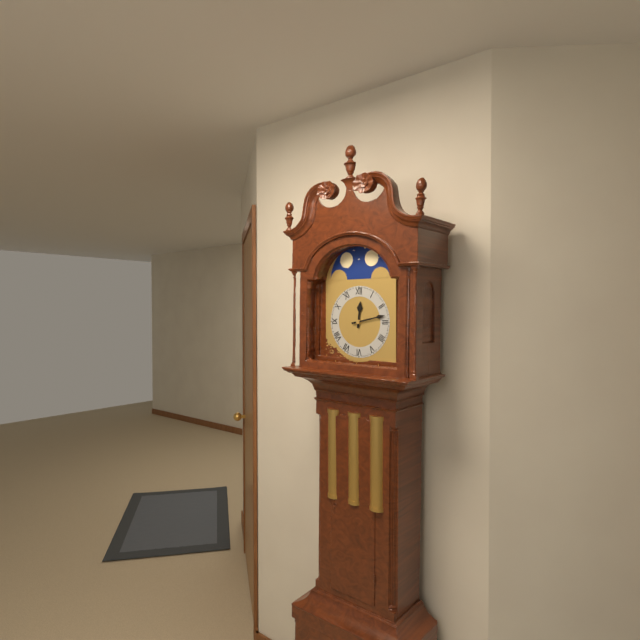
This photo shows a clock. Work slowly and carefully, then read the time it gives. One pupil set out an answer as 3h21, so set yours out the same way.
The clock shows 12h13
